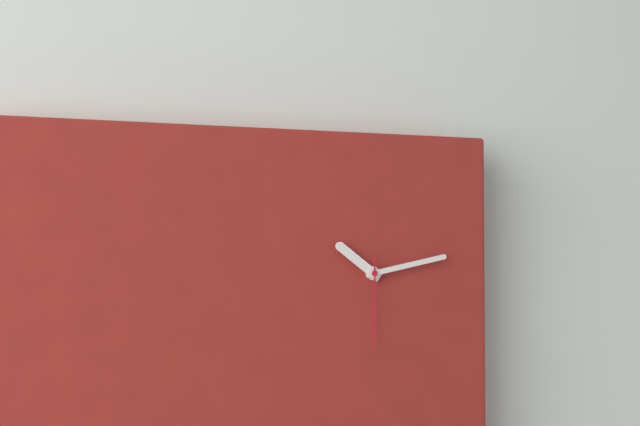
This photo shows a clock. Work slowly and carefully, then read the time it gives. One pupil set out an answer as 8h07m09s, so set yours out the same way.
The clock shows 10h13m30s
